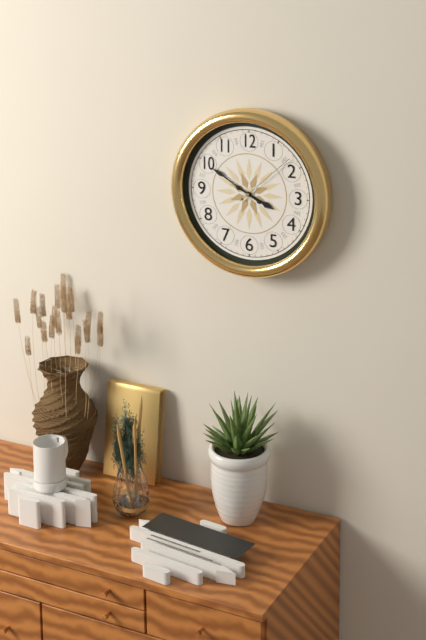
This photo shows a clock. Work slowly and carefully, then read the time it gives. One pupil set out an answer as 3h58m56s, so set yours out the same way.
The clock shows 3h50m08s
